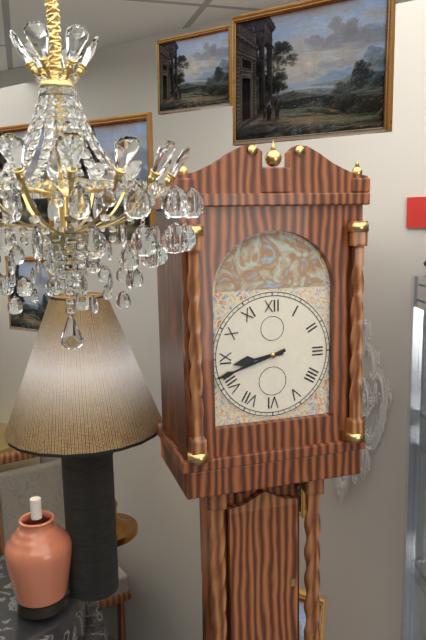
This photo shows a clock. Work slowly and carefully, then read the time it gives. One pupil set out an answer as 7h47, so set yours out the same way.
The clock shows 8h42
